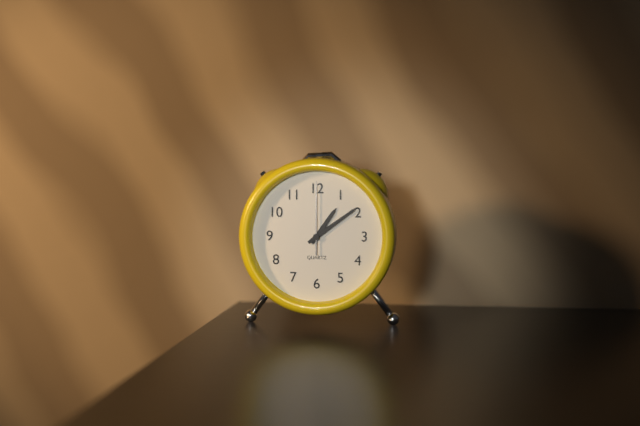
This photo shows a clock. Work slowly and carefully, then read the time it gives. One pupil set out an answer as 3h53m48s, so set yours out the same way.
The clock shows 1h09m00s
